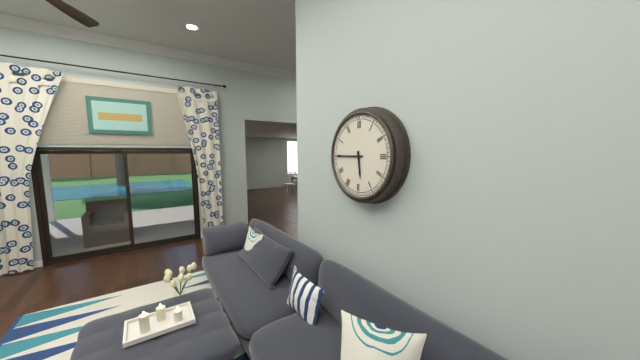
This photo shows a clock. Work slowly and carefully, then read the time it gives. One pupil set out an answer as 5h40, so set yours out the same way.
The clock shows 5h45
